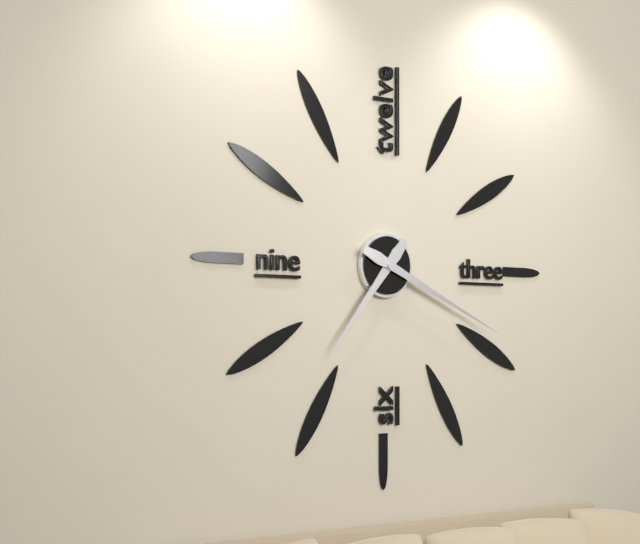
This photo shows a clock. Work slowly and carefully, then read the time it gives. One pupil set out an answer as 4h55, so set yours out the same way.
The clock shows 7h19
